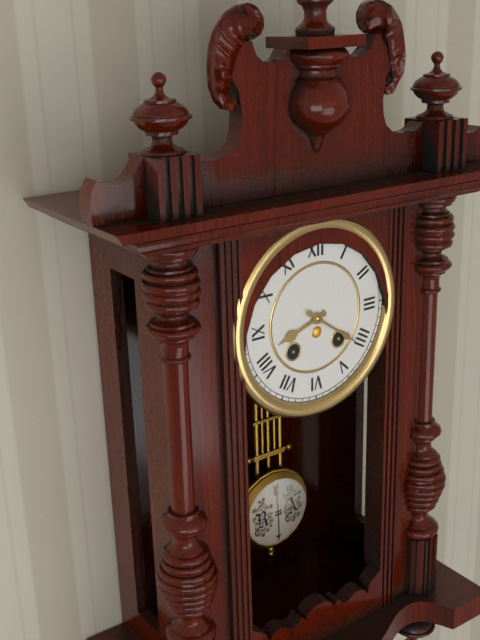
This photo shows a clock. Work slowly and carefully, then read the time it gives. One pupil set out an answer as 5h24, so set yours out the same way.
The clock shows 8h21
